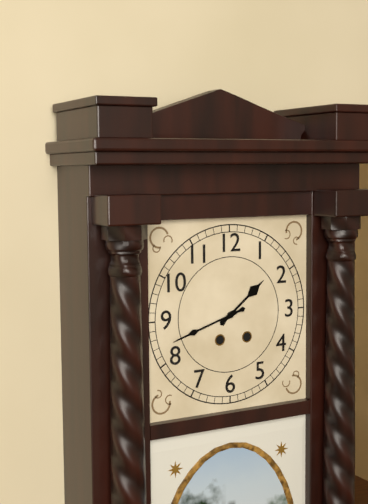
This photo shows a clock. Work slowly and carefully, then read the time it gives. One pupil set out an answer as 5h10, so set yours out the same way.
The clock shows 1h42
